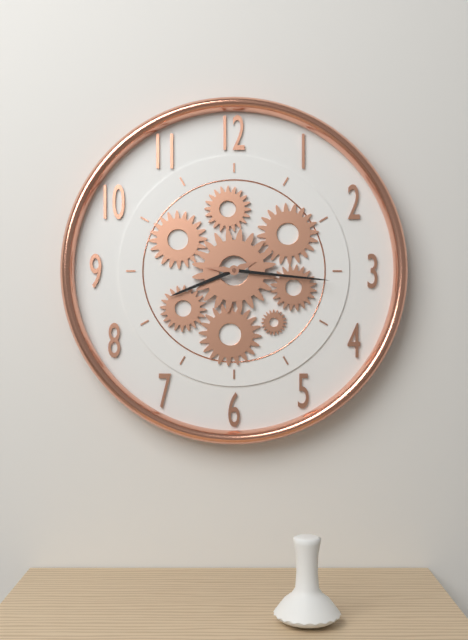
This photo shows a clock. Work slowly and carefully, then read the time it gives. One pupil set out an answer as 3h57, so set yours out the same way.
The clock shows 8h16
